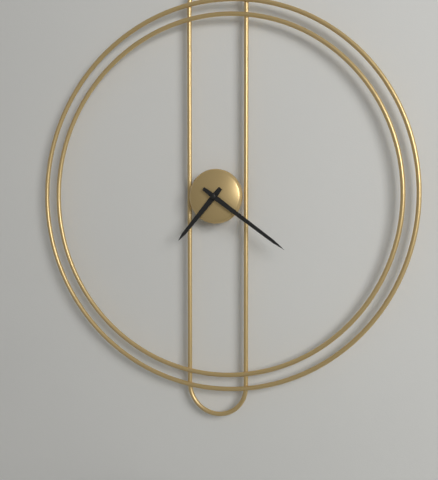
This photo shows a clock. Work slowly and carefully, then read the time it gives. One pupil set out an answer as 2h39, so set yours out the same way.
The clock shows 7h21
